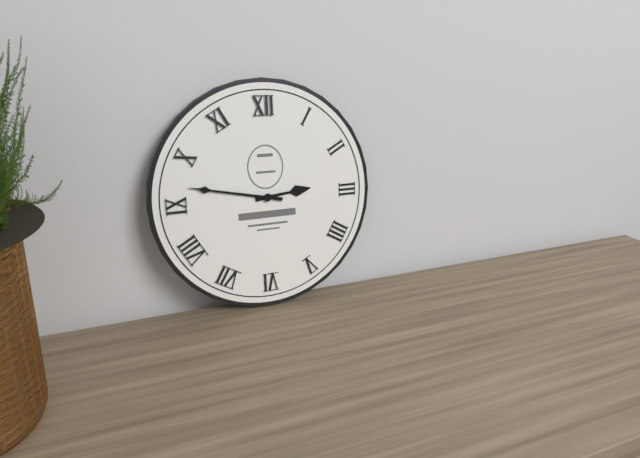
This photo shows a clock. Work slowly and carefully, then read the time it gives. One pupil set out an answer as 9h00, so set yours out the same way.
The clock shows 2h47
